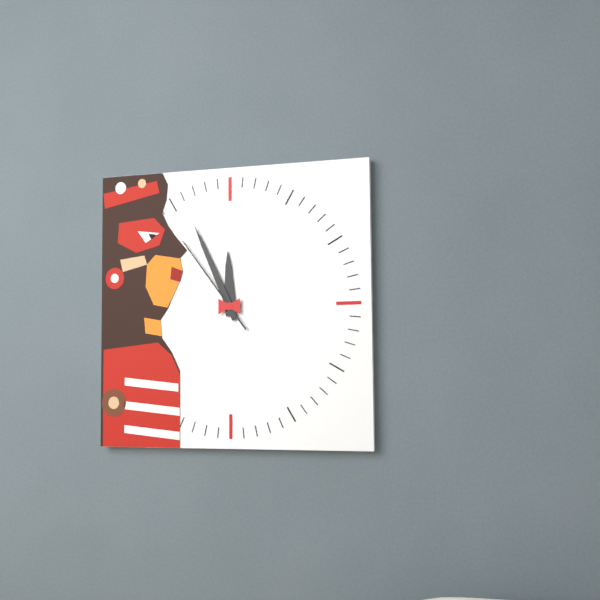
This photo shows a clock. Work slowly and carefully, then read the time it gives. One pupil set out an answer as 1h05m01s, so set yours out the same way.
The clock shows 11h56m54s
